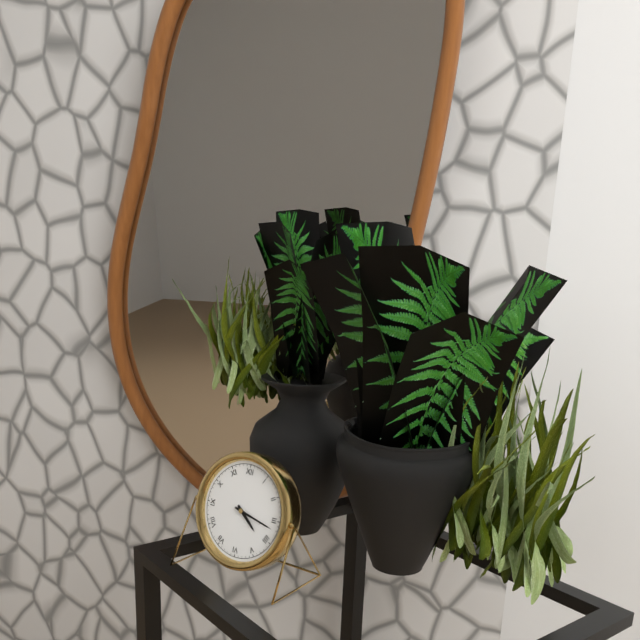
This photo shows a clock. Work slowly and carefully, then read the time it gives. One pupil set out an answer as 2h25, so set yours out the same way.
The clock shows 4h17
